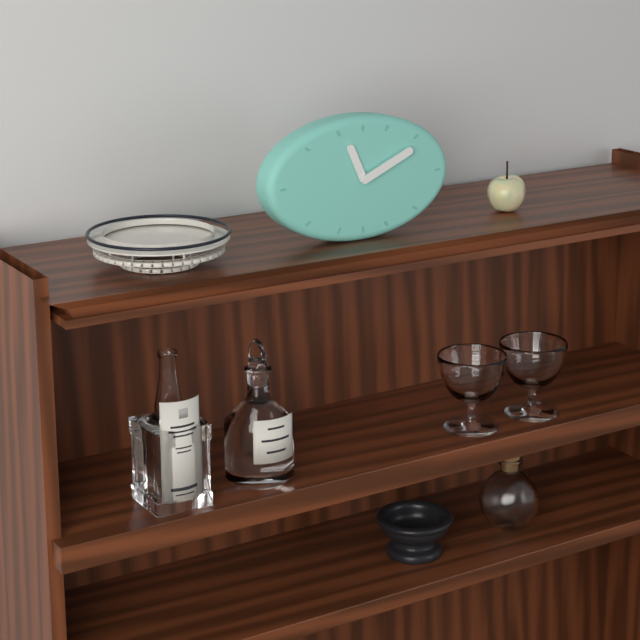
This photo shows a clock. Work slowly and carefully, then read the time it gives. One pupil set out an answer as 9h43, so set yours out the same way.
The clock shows 11h11
